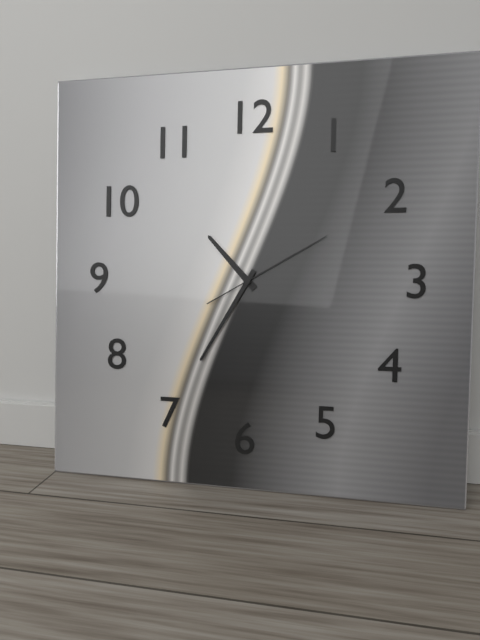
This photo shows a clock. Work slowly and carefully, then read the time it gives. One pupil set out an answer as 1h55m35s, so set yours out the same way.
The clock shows 10h35m10s
